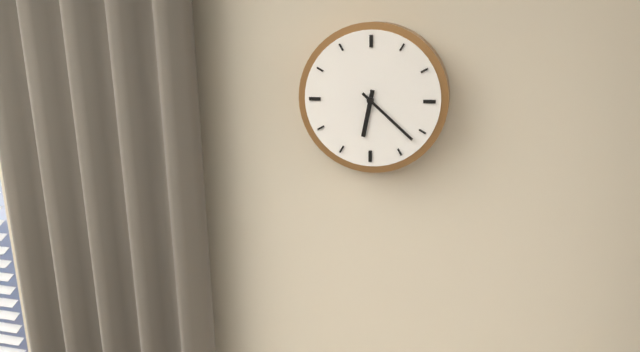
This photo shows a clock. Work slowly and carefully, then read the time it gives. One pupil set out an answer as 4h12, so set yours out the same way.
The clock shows 6h22
